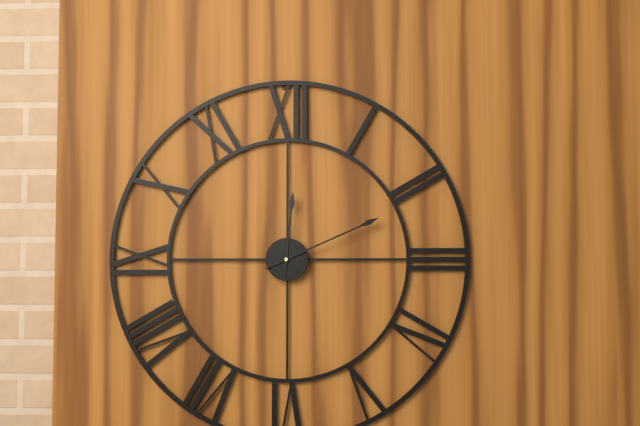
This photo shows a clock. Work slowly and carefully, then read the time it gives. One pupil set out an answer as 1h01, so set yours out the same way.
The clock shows 12h11
